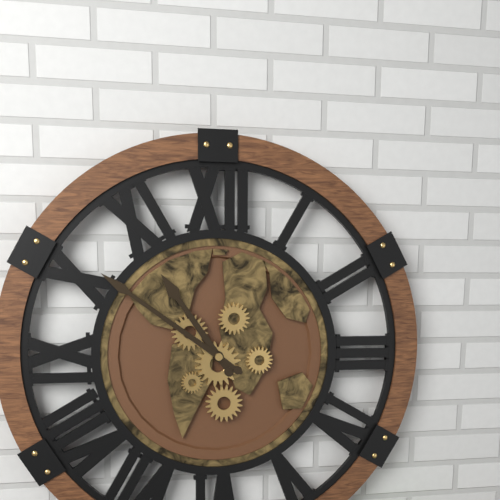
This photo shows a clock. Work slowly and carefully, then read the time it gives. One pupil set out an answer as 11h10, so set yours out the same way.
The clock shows 10h51
